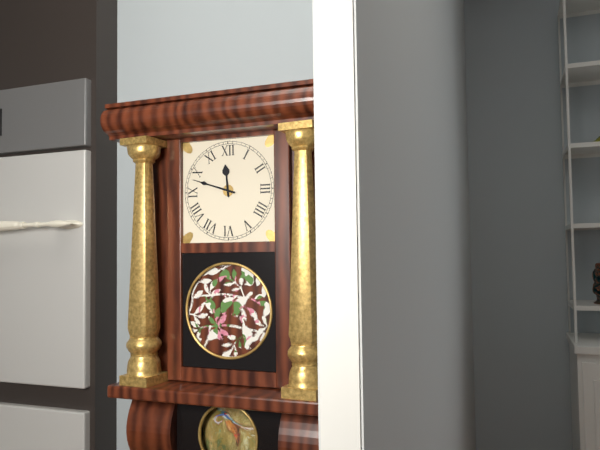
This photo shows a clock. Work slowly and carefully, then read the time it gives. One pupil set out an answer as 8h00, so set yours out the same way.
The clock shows 11h48
